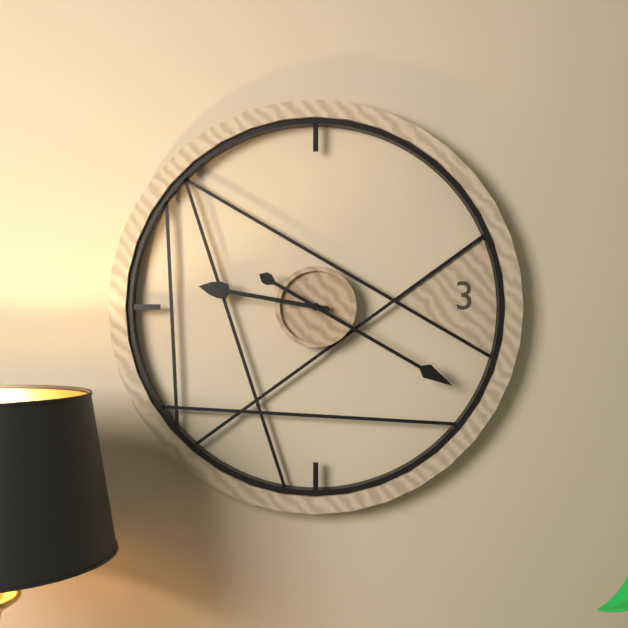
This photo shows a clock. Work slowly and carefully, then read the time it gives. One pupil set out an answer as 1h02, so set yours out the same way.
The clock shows 9h20
